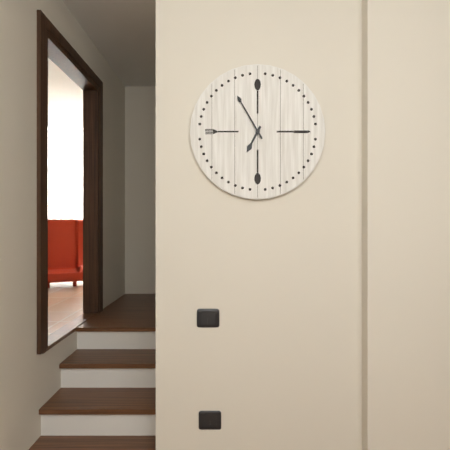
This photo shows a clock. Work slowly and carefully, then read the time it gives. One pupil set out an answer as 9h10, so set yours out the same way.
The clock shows 6h55
